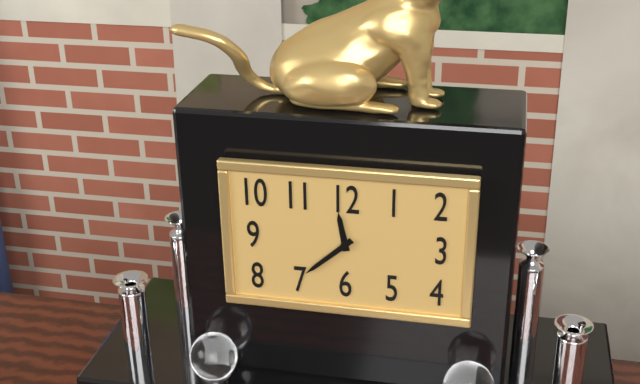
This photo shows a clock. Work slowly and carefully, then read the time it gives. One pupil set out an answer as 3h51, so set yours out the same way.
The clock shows 11h38
